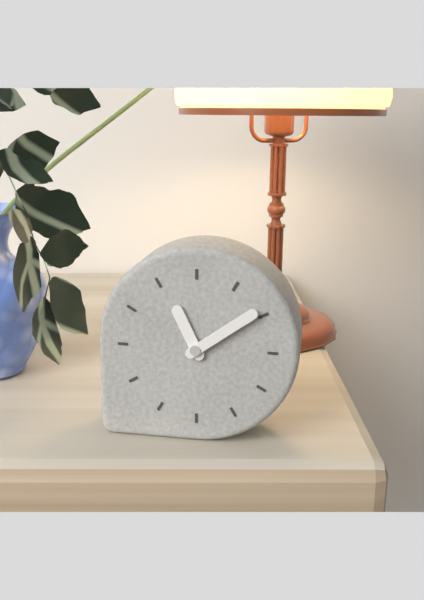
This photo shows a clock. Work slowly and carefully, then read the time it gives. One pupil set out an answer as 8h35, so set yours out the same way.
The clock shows 11h09
